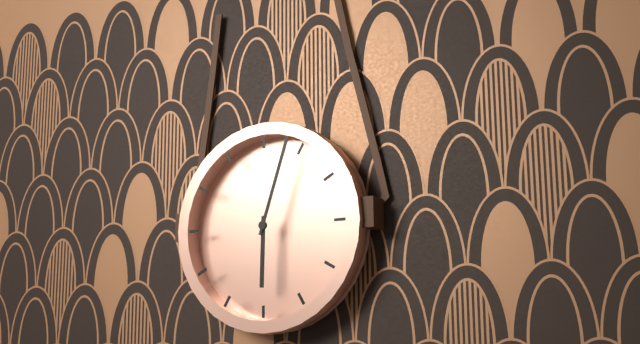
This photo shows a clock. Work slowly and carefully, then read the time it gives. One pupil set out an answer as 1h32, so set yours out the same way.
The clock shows 6h03
